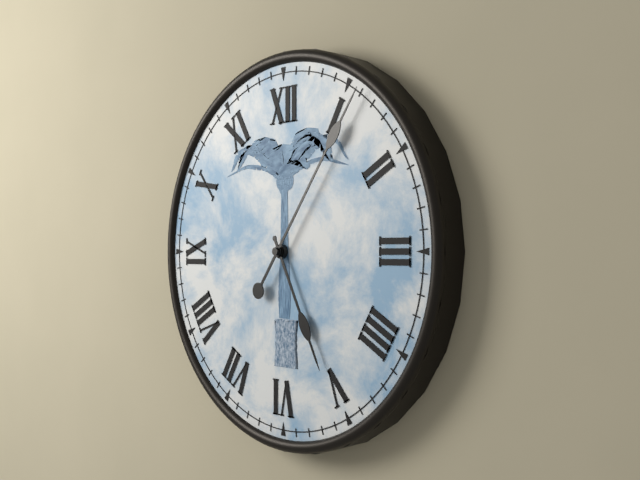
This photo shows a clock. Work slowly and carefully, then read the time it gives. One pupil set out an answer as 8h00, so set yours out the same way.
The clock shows 5h06
